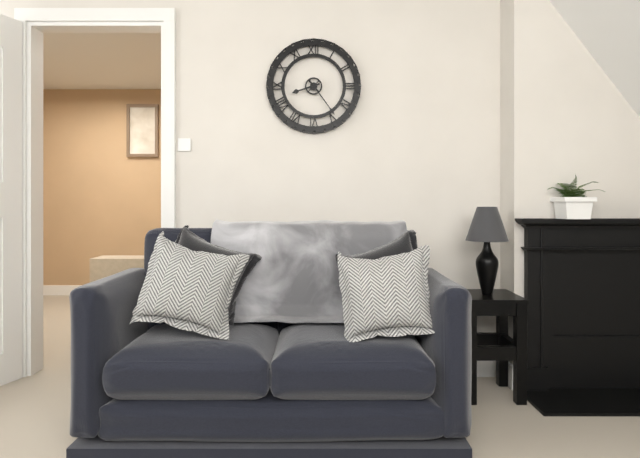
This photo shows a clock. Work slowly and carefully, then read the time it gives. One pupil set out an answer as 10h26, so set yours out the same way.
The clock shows 8h24
